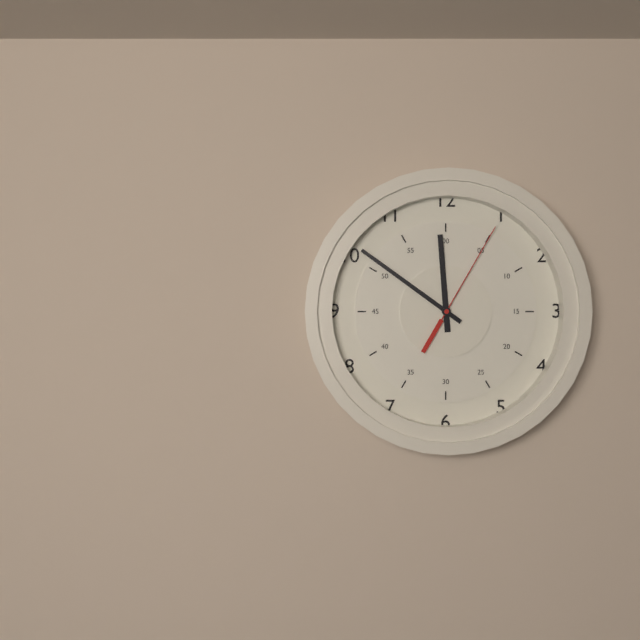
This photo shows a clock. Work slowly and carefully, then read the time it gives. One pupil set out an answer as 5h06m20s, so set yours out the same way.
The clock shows 11h51m05s
